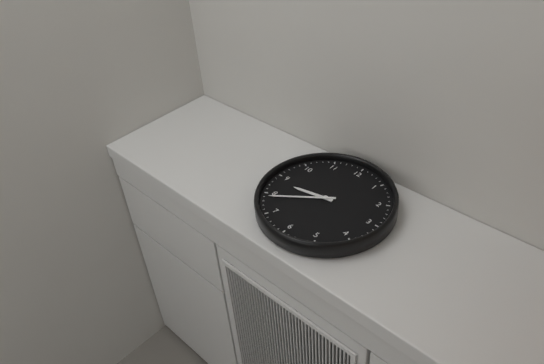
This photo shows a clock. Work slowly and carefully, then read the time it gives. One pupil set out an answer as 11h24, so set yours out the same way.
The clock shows 8h39
